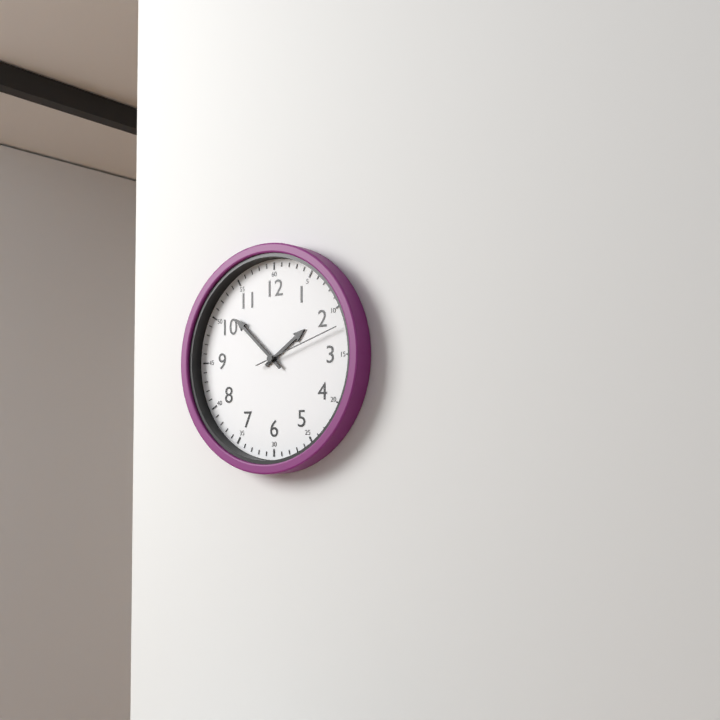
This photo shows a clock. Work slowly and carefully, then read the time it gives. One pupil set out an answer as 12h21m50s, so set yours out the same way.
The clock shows 1h52m12s
